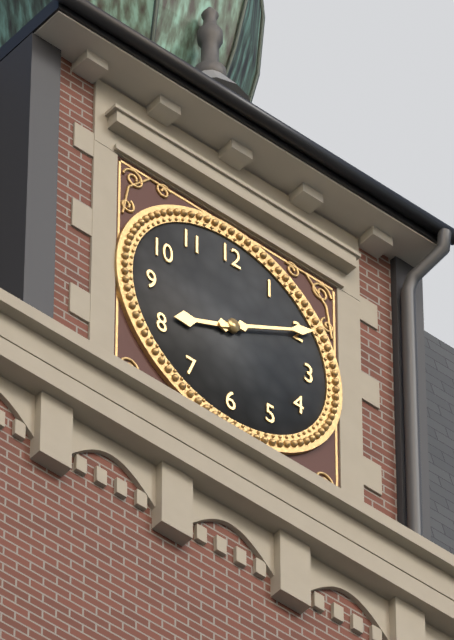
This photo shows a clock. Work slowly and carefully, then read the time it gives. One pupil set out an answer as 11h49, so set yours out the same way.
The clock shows 8h10
